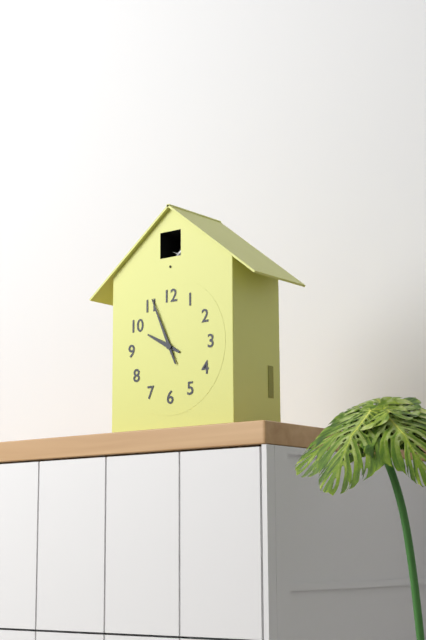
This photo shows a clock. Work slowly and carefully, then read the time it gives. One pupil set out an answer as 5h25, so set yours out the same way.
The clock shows 9h56
